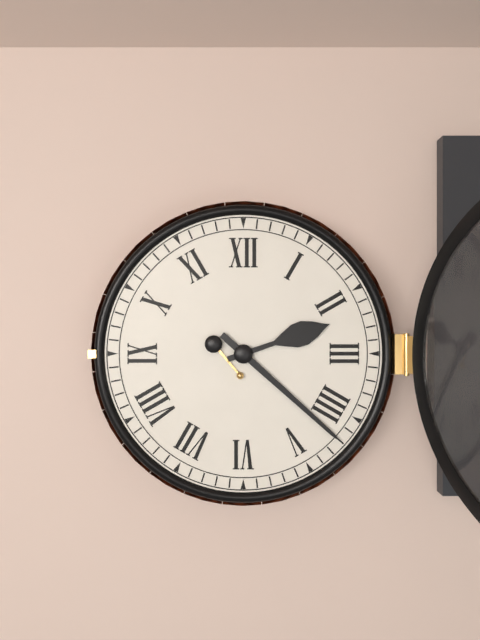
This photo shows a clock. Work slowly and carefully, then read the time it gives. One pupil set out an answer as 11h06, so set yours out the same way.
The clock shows 2h22
